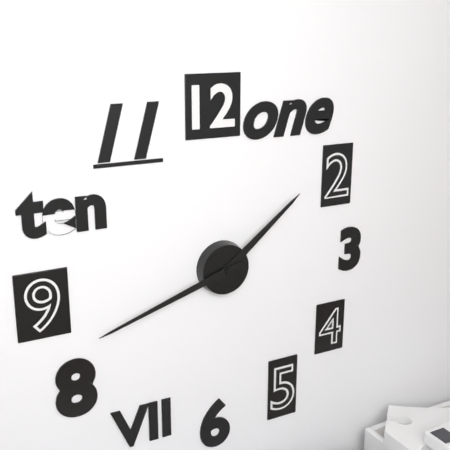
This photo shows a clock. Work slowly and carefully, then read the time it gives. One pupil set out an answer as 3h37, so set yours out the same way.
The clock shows 1h42
